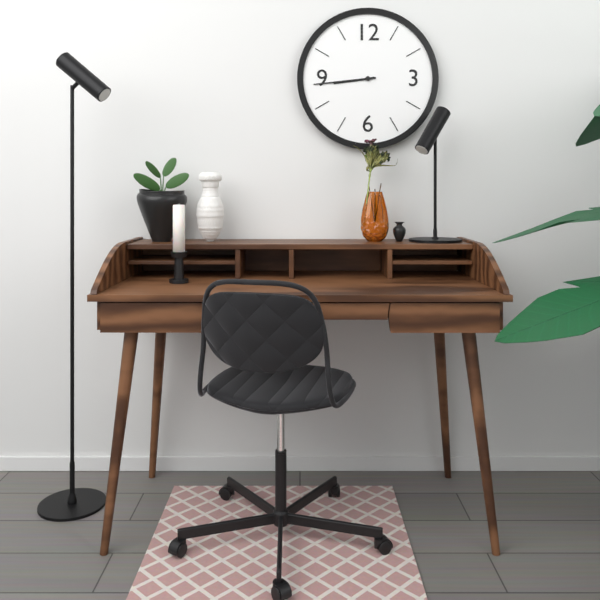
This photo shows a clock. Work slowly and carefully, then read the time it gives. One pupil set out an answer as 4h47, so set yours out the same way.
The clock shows 8h44
